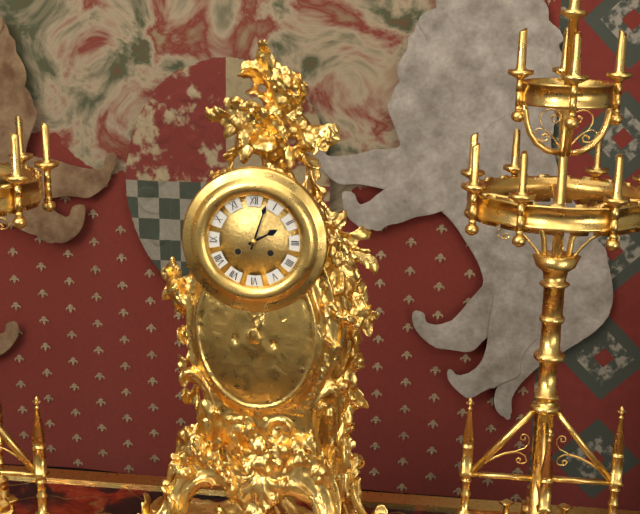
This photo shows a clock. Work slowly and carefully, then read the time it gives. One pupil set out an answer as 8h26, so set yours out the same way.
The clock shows 2h03
